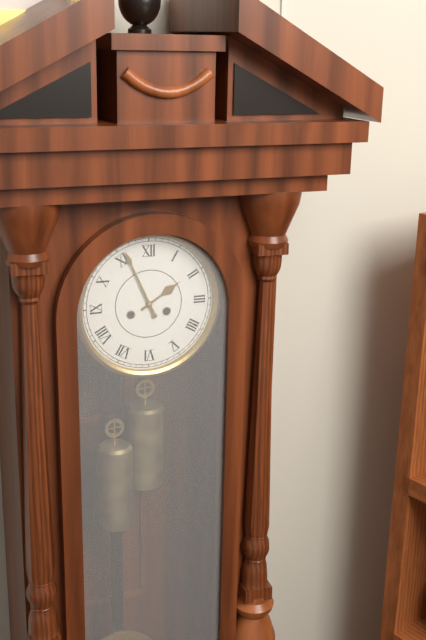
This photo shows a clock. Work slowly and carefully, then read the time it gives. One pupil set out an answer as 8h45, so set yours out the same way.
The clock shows 1h56
